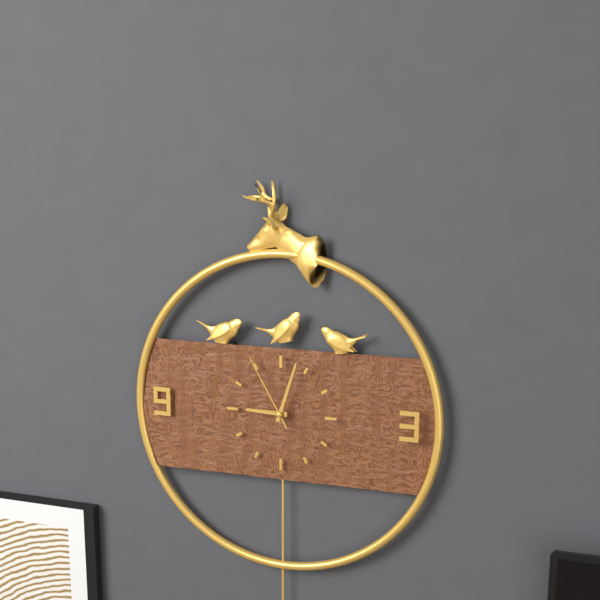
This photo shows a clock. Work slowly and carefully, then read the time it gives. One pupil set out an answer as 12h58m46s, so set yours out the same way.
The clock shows 9h03m55s
